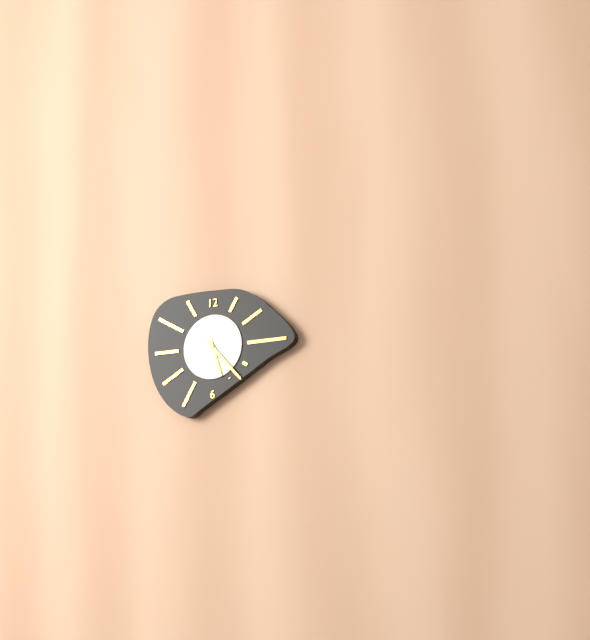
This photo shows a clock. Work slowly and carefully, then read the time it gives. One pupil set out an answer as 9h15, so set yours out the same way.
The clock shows 5h23
